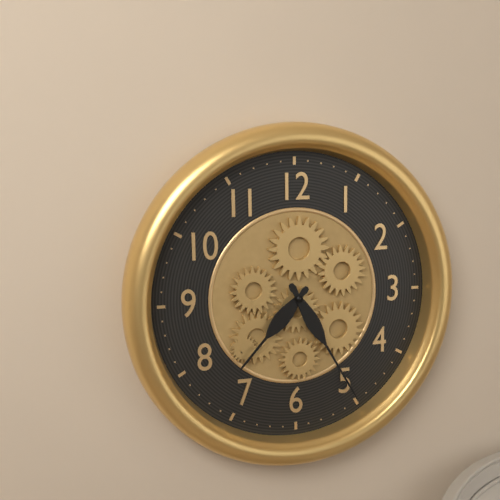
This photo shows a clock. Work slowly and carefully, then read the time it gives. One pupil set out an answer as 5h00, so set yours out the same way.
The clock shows 7h25
